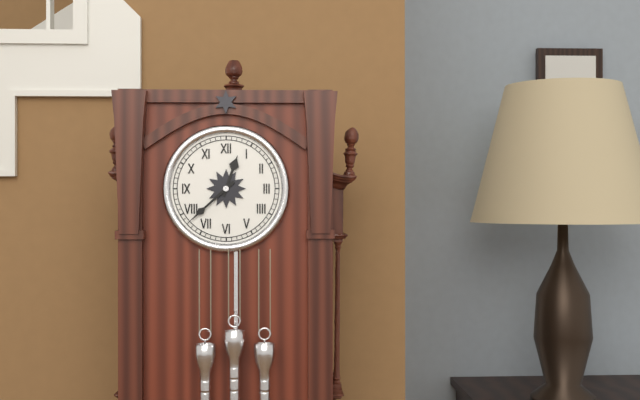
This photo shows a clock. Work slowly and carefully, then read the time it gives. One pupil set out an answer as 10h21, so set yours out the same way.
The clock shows 12h38
